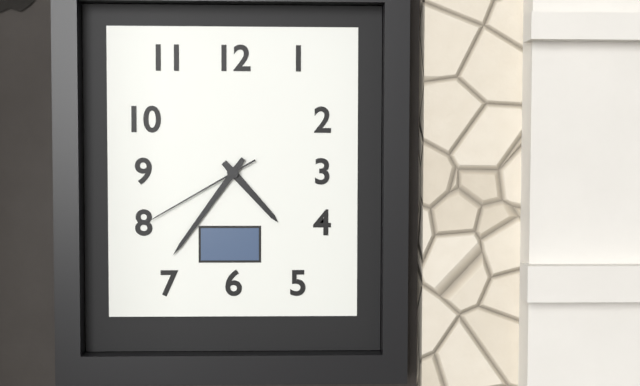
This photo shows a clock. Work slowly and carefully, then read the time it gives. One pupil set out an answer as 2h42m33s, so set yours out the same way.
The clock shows 4h36m40s
